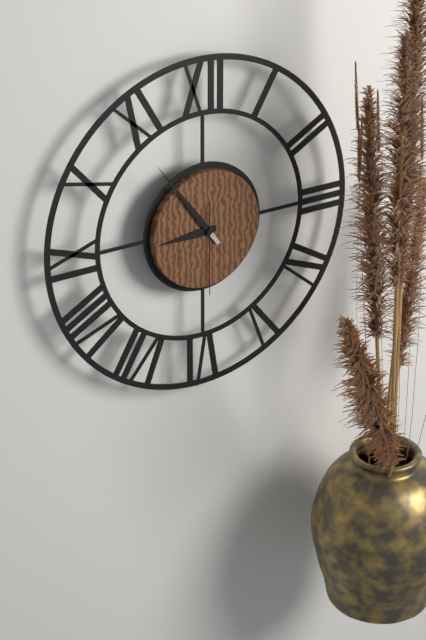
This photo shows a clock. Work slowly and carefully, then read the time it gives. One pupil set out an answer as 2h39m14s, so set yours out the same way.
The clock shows 8h54m30s
